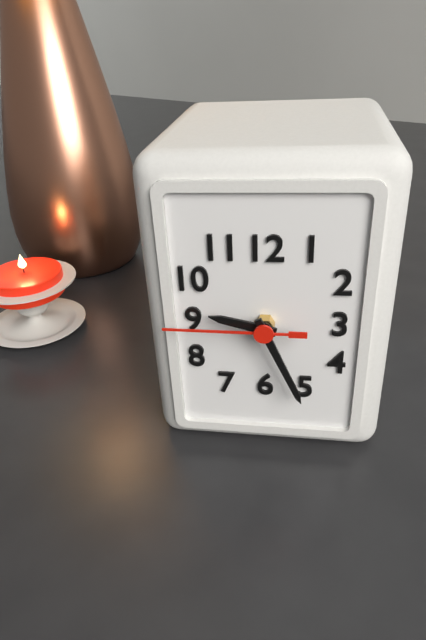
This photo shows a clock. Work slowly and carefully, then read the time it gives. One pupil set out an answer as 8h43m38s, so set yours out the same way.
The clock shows 9h26m45s
